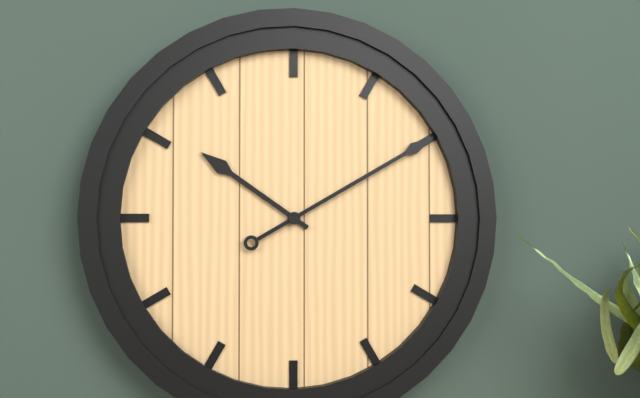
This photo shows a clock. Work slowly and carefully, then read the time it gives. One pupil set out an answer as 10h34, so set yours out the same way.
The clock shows 10h10
